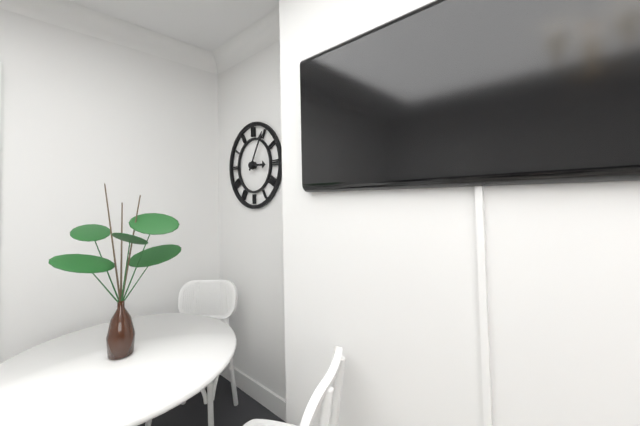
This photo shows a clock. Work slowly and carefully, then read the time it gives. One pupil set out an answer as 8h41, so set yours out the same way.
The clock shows 3h05
